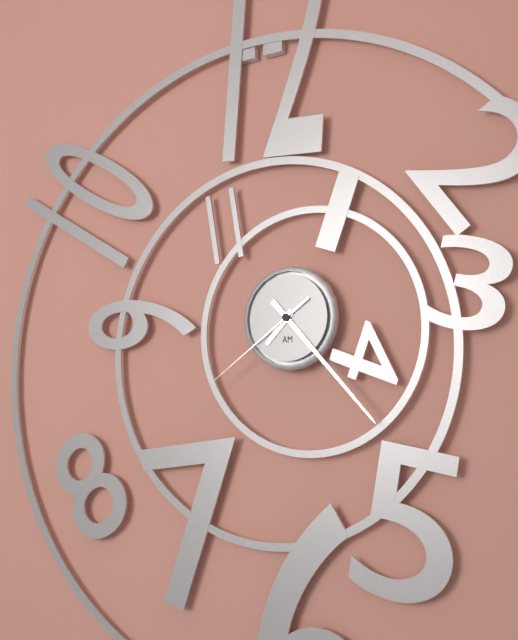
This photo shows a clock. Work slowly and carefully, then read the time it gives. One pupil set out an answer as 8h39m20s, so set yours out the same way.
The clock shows 7h23m39s
